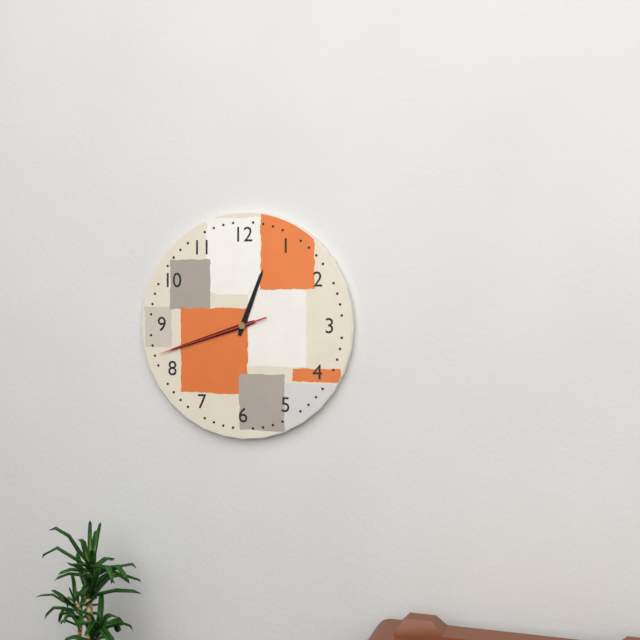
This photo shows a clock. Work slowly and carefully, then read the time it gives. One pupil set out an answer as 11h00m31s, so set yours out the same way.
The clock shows 12h42m42s
